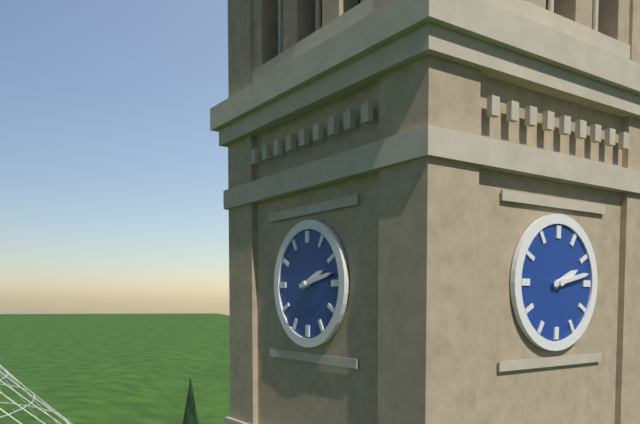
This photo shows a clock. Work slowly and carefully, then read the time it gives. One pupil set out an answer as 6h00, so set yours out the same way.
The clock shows 2h13
